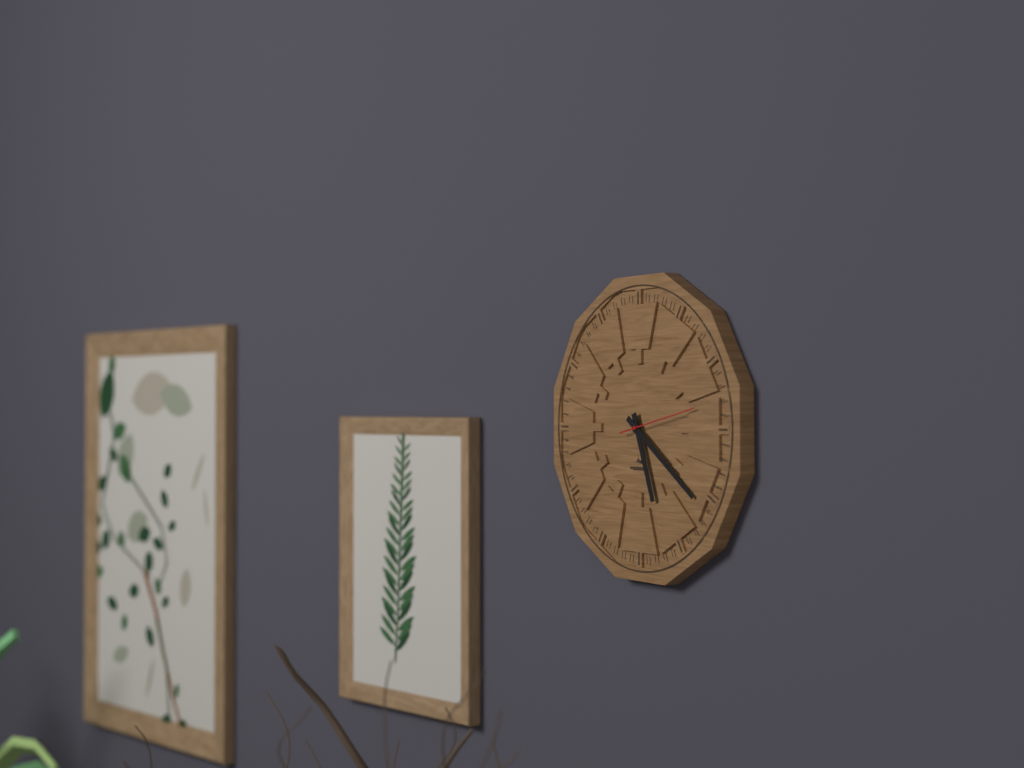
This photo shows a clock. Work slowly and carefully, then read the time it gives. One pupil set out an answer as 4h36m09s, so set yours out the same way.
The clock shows 5h21m13s
